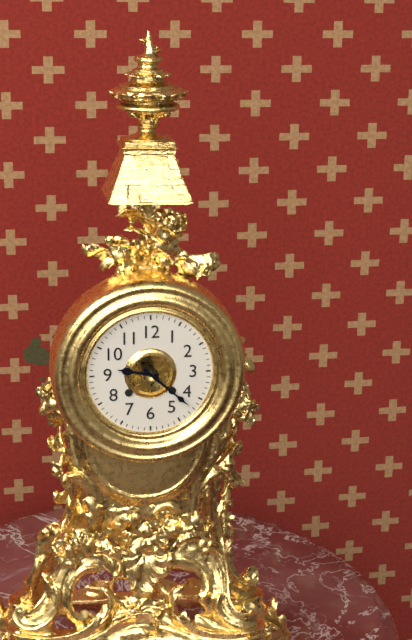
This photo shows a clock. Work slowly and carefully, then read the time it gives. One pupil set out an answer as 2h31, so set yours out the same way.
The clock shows 9h22
